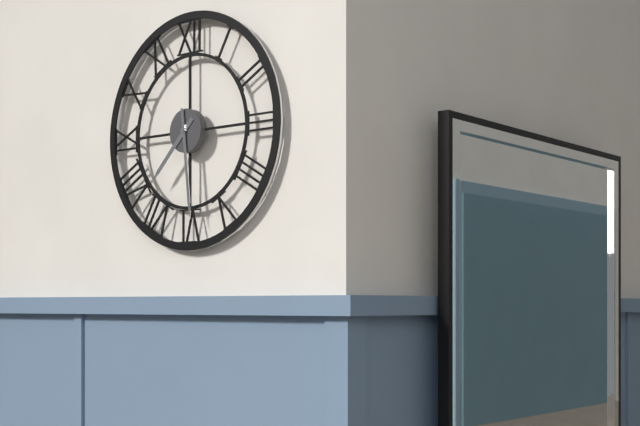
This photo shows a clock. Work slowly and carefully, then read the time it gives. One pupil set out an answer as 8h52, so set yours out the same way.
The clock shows 7h29
